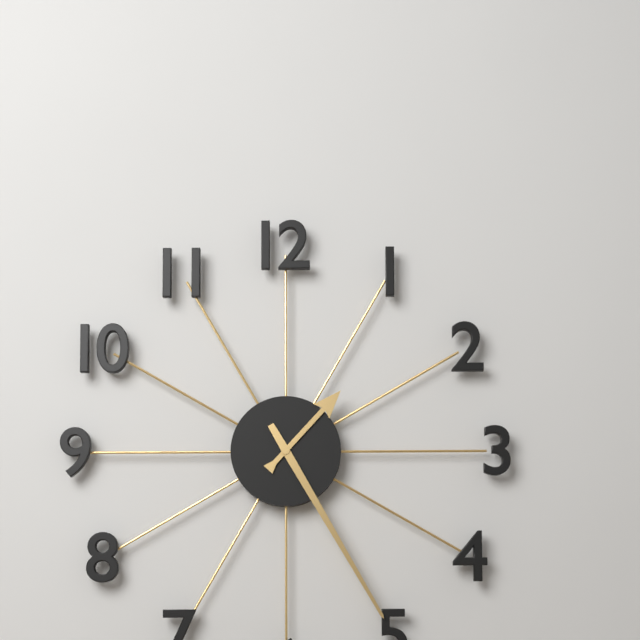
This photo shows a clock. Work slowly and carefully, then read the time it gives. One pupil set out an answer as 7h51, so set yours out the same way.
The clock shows 1h25
